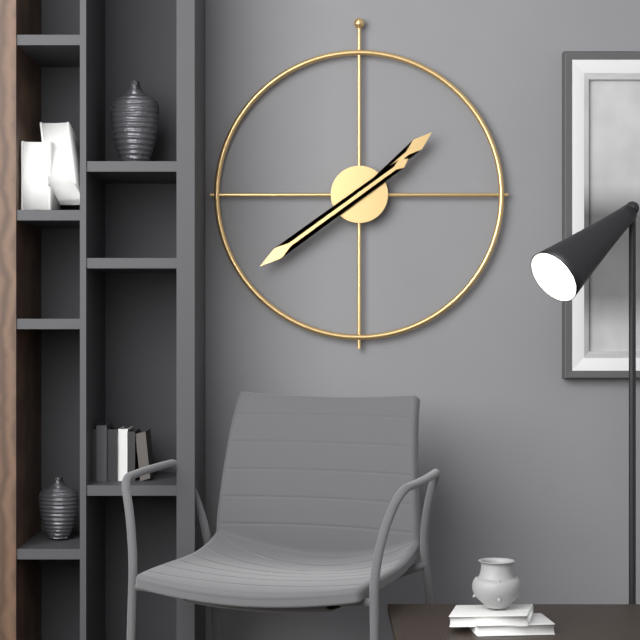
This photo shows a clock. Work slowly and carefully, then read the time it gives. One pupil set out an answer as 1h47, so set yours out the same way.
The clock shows 1h39
